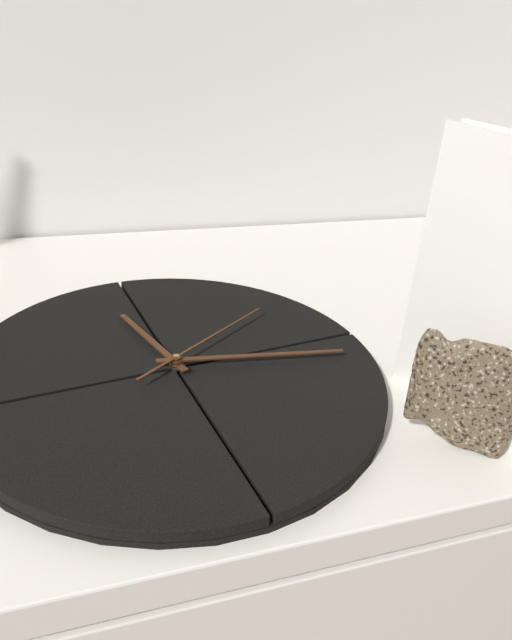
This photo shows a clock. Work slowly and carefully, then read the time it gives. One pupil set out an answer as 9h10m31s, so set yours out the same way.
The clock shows 12h21m14s
